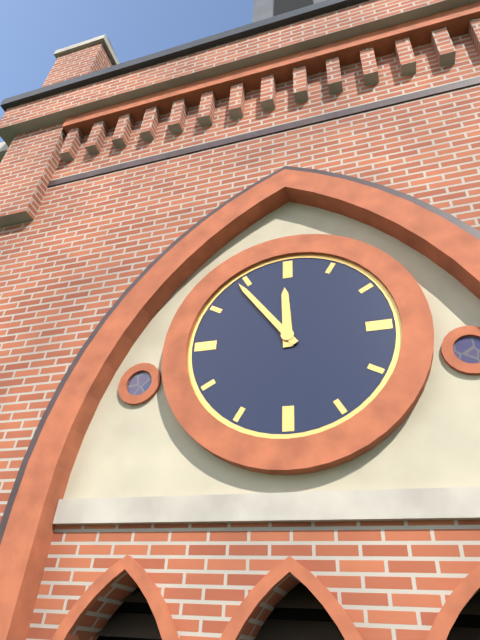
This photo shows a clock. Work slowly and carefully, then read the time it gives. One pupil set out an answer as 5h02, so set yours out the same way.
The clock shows 11h54
